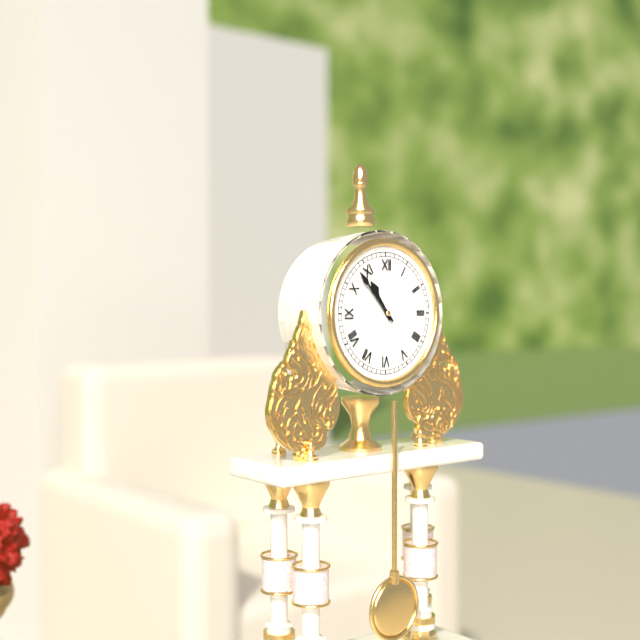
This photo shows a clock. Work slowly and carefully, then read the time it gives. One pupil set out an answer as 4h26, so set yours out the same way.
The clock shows 10h53
